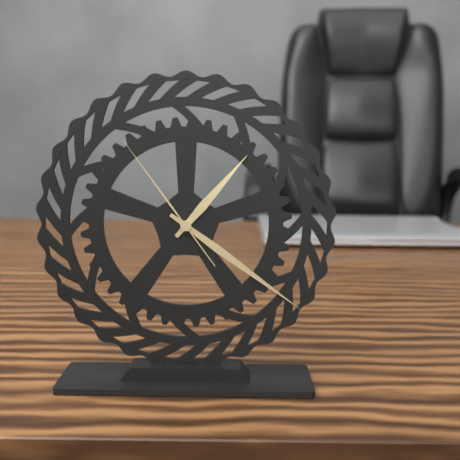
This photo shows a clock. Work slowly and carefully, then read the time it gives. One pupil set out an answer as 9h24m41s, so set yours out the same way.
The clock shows 1h21m54s
